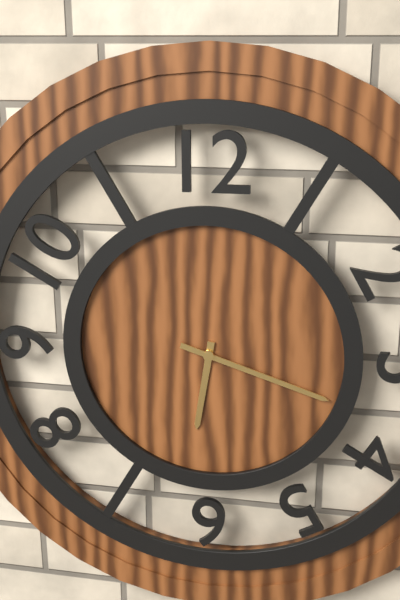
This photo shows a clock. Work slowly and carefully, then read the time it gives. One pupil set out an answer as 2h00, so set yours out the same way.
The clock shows 6h18
